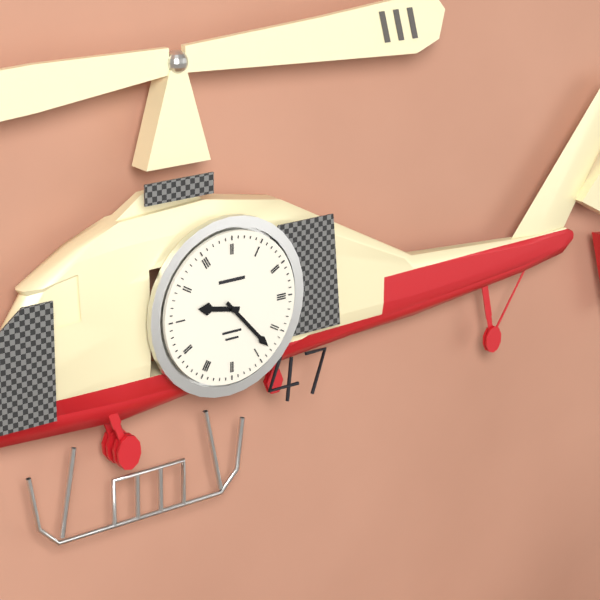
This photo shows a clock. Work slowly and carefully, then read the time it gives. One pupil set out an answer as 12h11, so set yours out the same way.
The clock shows 9h23
